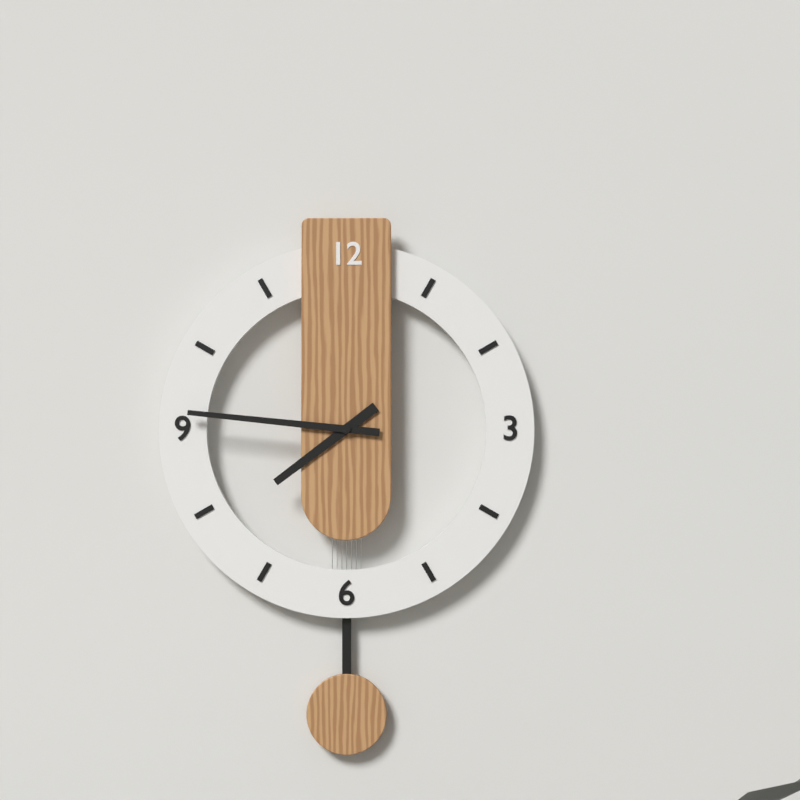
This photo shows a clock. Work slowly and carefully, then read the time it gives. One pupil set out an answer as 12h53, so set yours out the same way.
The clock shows 7h46
